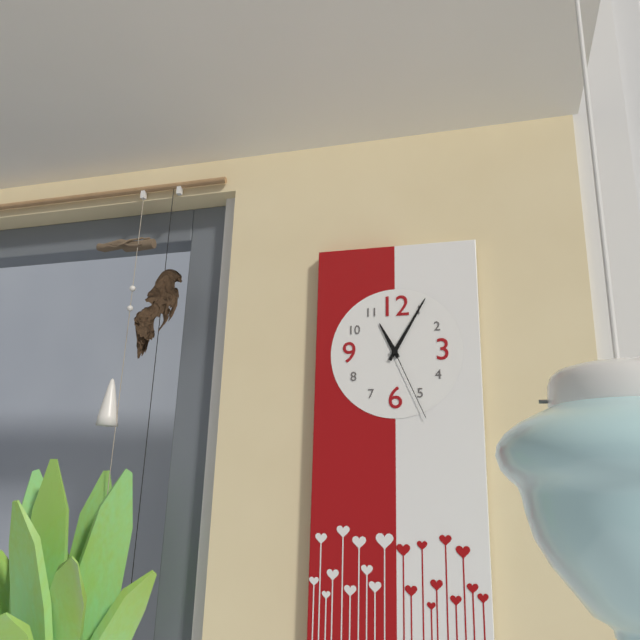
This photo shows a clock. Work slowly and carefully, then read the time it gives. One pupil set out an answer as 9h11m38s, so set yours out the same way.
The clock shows 11h05m26s
